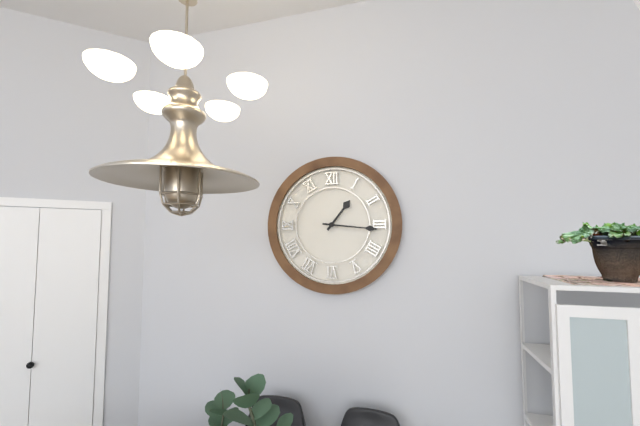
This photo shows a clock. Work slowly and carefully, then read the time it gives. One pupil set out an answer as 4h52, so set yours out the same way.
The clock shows 1h16
